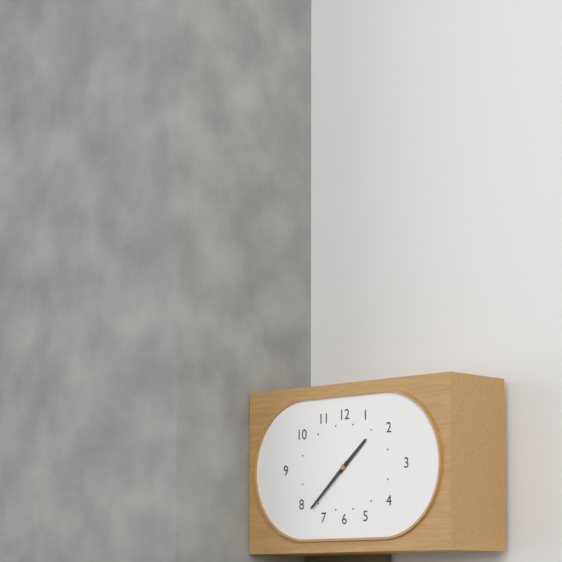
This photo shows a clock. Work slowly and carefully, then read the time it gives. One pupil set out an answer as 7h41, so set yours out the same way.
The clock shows 1h38
